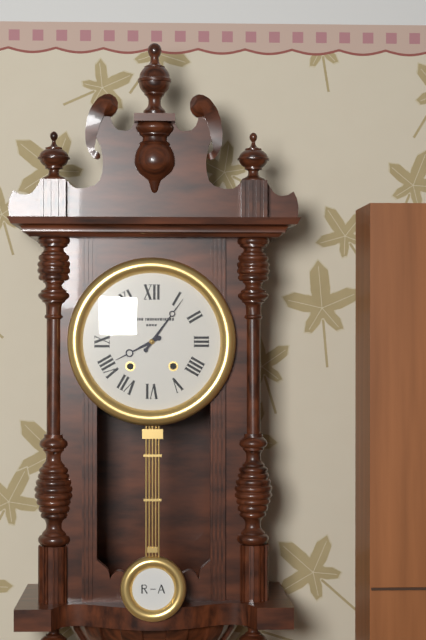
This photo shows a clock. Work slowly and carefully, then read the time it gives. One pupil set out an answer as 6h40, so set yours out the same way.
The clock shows 8h06
